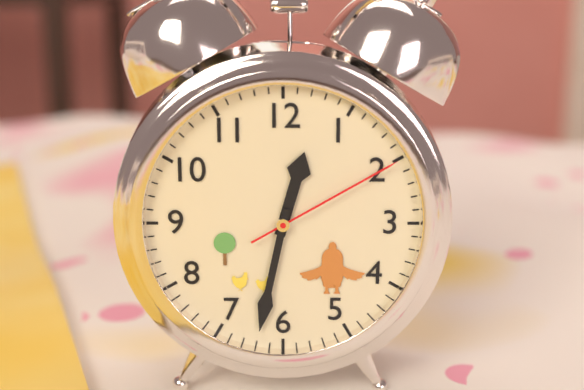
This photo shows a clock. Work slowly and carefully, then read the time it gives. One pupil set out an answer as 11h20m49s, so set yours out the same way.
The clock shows 12h32m10s
